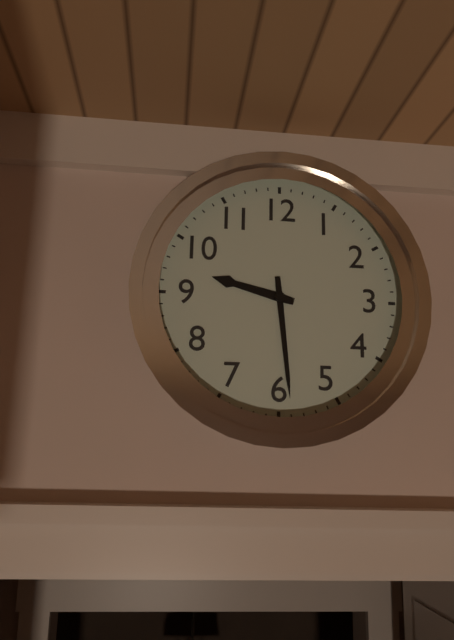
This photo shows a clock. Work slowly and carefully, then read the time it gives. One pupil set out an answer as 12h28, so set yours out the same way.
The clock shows 9h29
